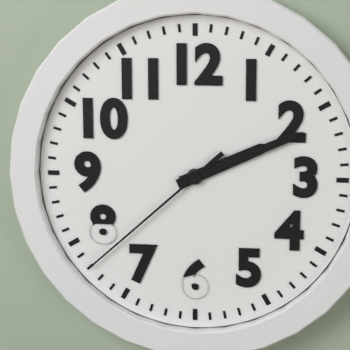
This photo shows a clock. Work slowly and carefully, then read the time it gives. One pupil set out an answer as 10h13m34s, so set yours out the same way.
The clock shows 2h11m38s
